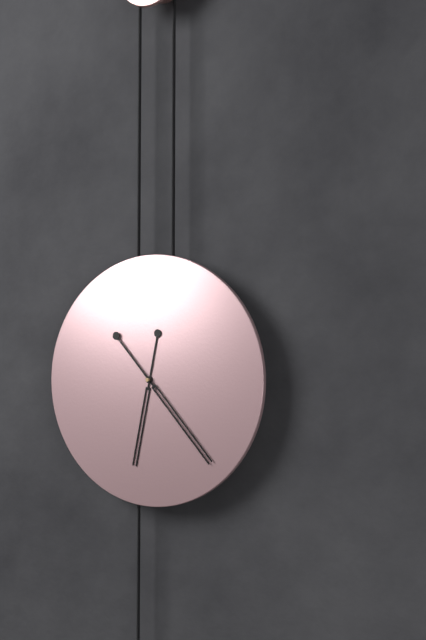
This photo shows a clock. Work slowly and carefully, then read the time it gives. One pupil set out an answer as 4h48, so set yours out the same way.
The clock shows 6h23
